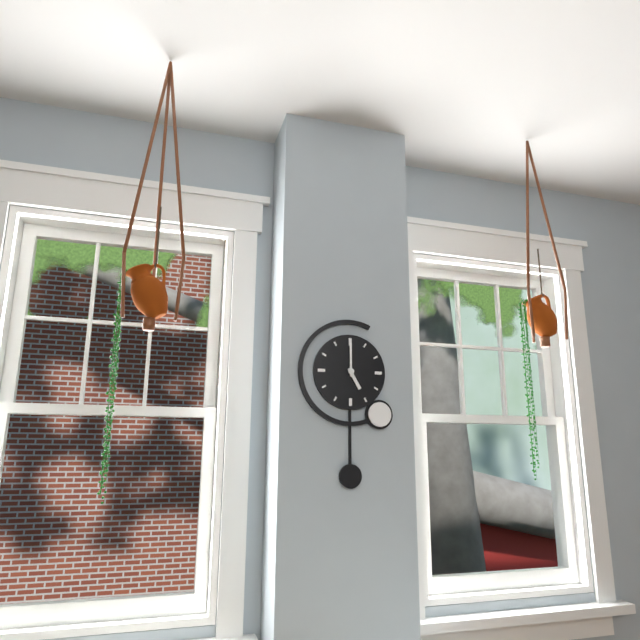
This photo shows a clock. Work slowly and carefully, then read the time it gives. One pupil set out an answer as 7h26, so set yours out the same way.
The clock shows 5h00
